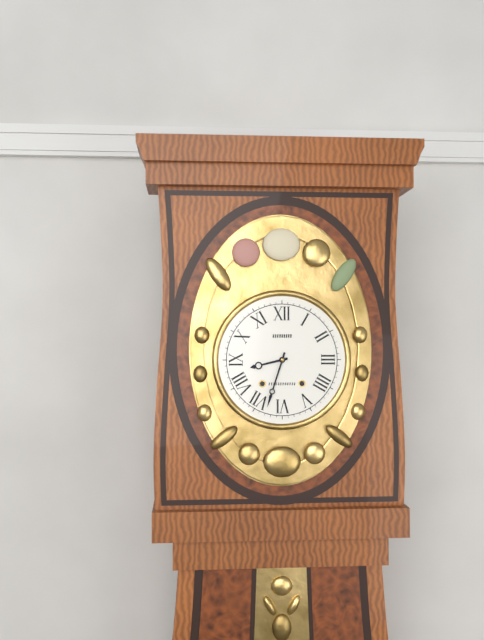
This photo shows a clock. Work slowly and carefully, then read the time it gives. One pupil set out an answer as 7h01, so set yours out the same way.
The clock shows 8h33
